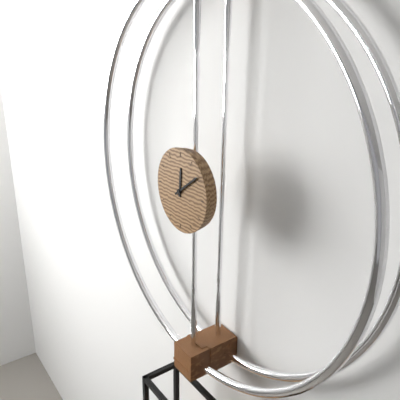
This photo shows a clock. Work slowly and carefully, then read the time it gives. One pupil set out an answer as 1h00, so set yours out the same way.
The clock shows 12h09
